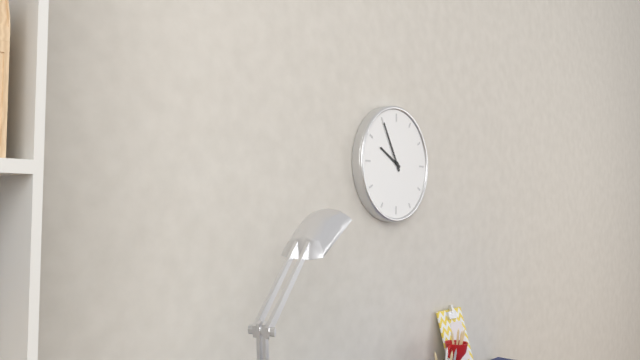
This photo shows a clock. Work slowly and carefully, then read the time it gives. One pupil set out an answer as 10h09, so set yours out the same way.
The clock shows 9h55
